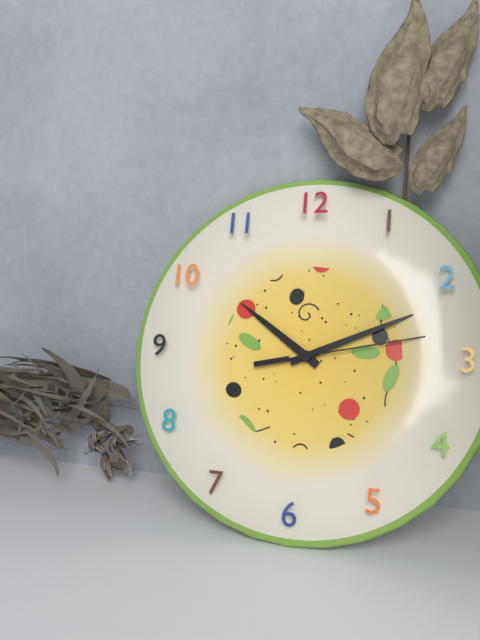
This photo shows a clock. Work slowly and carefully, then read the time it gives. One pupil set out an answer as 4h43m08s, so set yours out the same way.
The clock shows 10h11m13s
